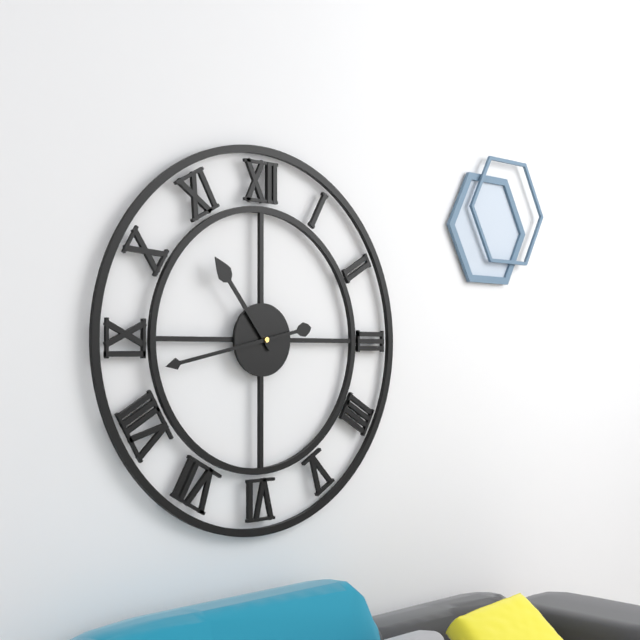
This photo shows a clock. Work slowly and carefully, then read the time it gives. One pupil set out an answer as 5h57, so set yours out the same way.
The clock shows 10h43
